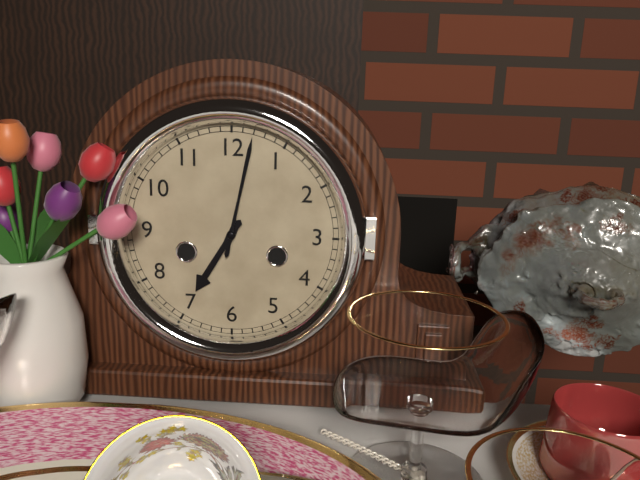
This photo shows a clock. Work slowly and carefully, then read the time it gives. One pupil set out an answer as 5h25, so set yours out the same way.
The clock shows 7h02
